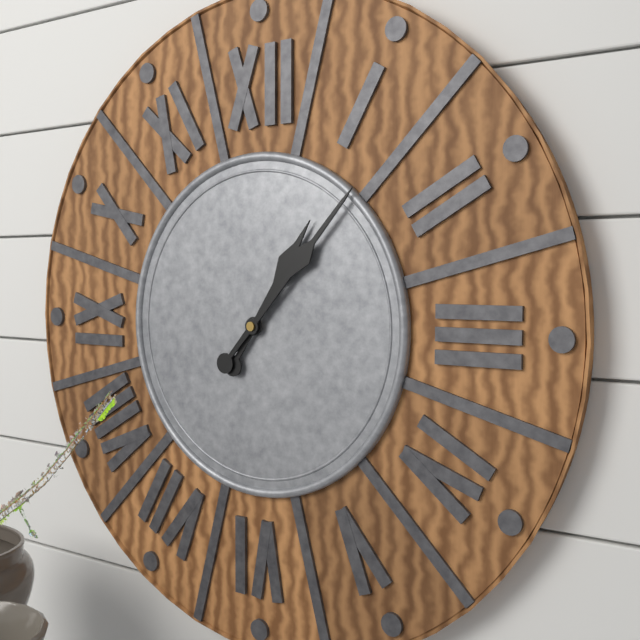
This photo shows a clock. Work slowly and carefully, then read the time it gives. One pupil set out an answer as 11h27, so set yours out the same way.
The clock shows 1h07
